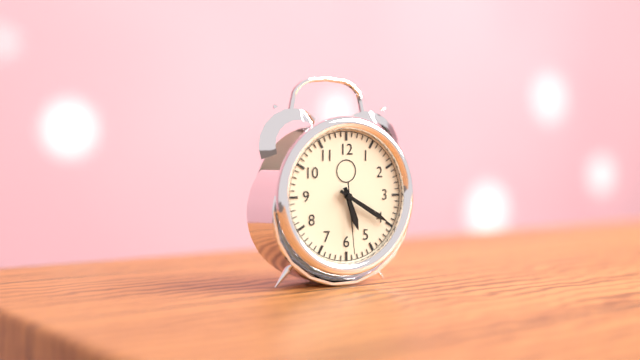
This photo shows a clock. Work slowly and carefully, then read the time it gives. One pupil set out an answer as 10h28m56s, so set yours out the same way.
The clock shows 5h20m29s
